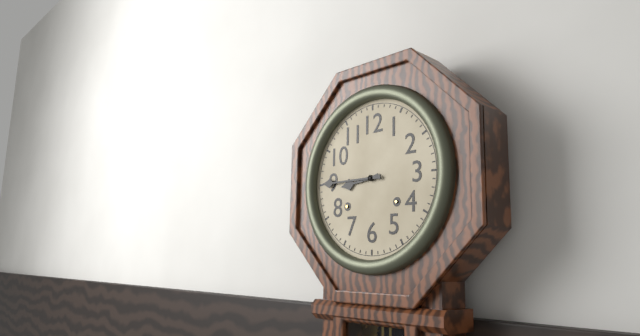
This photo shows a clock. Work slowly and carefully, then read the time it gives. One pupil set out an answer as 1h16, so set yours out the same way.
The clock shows 8h45
